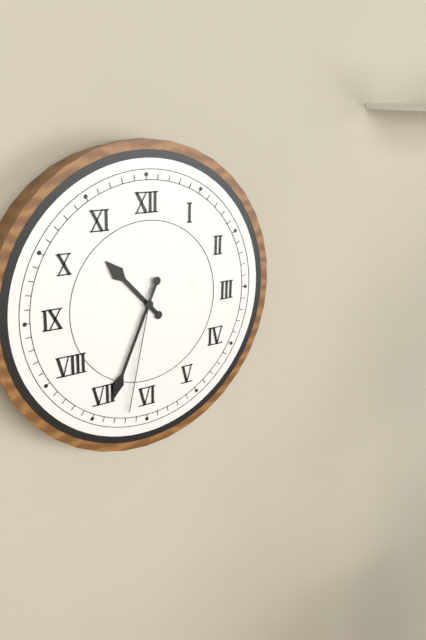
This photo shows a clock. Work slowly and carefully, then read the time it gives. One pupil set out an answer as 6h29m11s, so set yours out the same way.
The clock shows 10h34m32s
